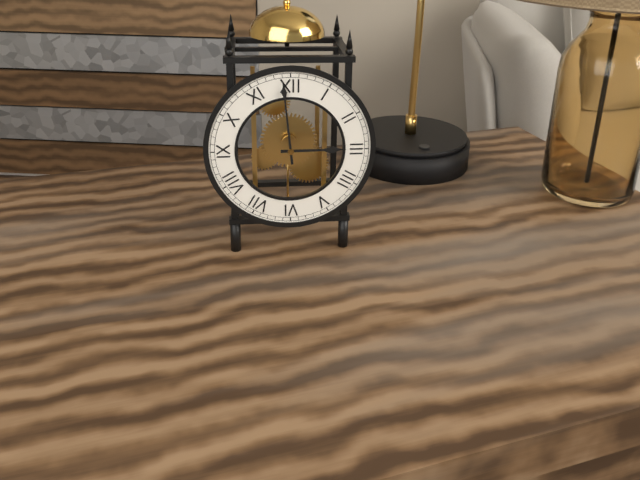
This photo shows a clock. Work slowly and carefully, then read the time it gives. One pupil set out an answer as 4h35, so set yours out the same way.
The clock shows 2h59
